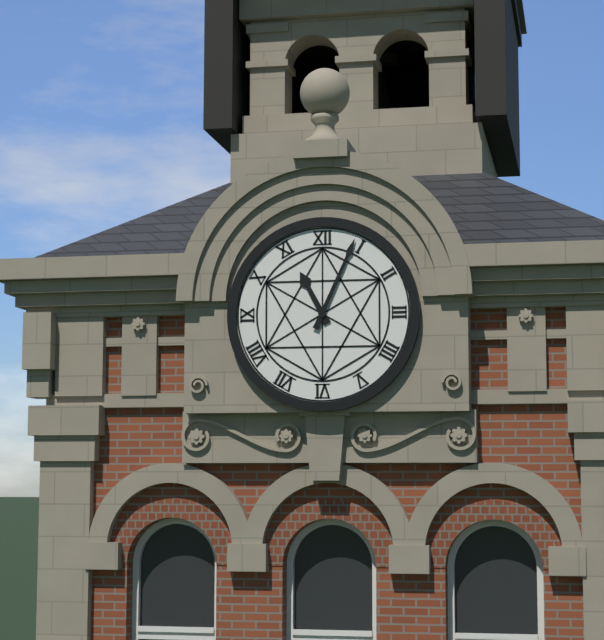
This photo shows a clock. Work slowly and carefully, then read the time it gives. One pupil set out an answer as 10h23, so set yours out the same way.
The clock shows 11h04
